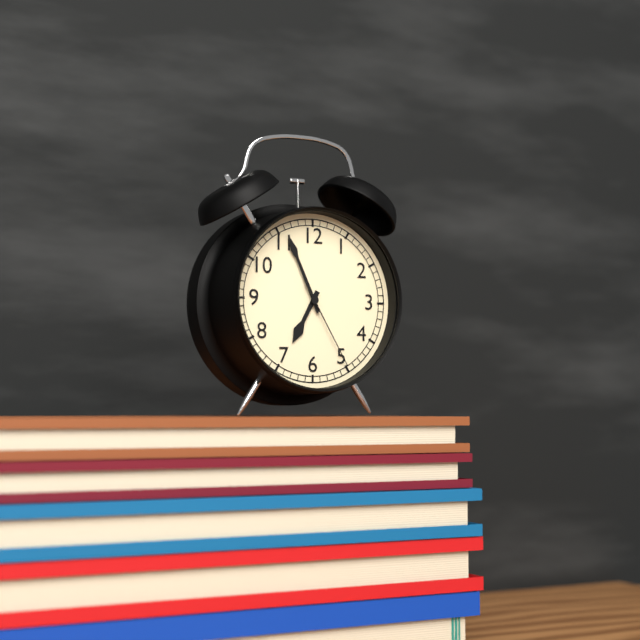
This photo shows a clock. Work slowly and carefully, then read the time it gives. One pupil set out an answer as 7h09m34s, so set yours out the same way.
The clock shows 6h56m25s
